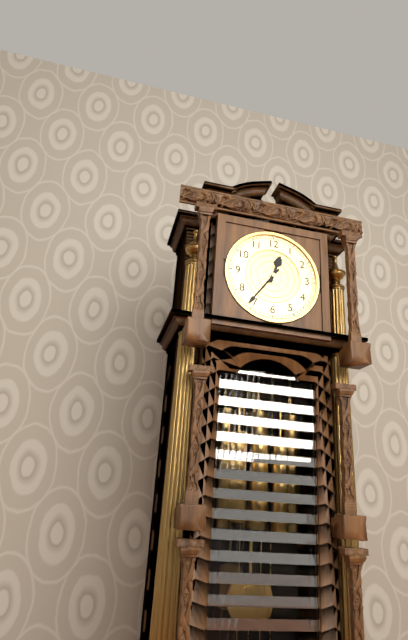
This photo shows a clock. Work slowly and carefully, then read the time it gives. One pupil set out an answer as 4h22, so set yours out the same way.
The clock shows 12h36
